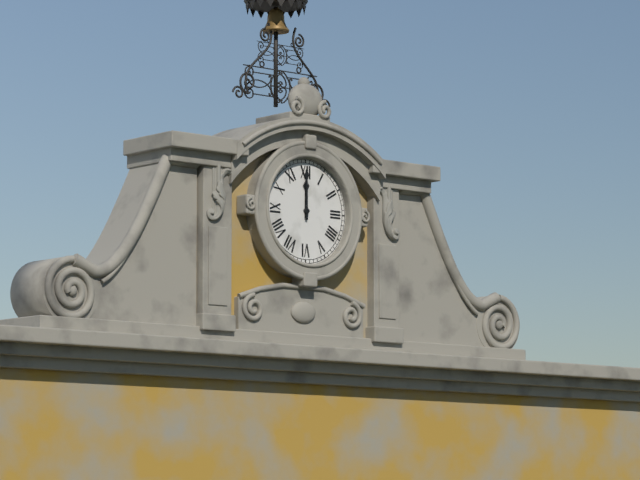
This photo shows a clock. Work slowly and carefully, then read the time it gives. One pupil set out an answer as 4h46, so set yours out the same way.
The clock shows 12h00
